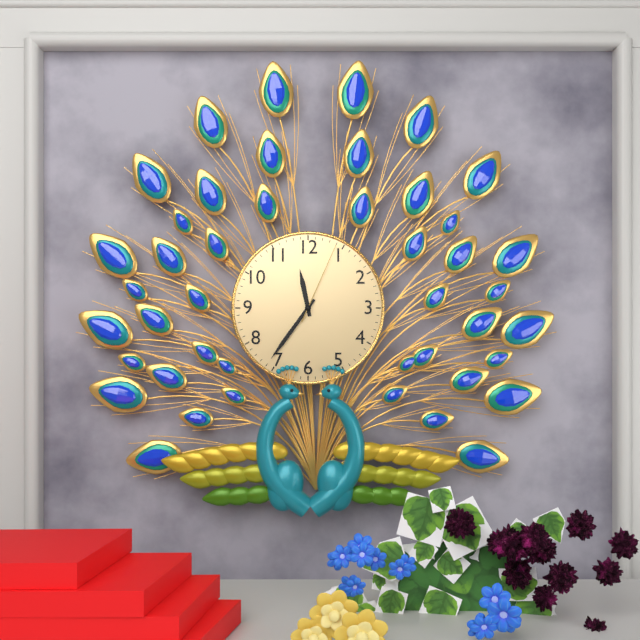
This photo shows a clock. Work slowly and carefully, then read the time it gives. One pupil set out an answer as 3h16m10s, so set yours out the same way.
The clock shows 11h36m04s
